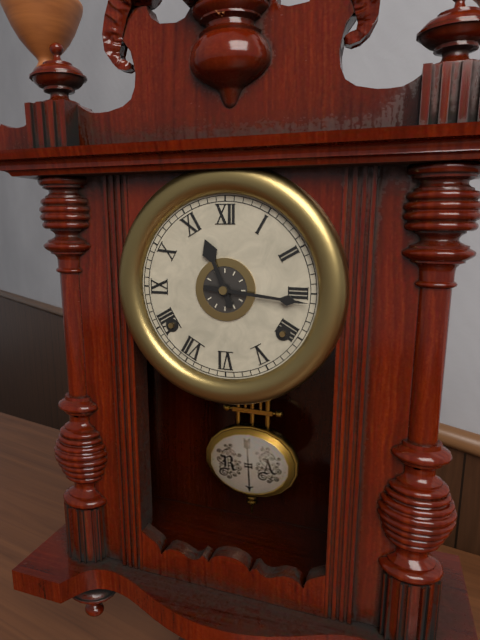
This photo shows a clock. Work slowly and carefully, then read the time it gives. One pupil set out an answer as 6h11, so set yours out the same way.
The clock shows 11h16
